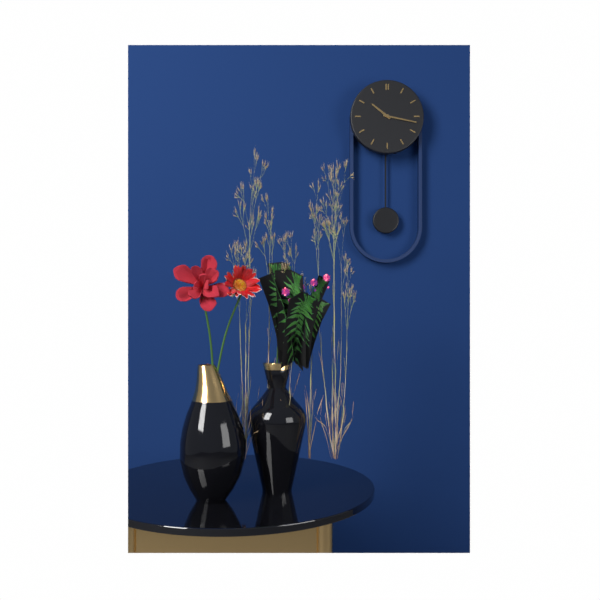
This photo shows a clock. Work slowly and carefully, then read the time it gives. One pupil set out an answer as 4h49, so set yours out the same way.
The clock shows 10h17
